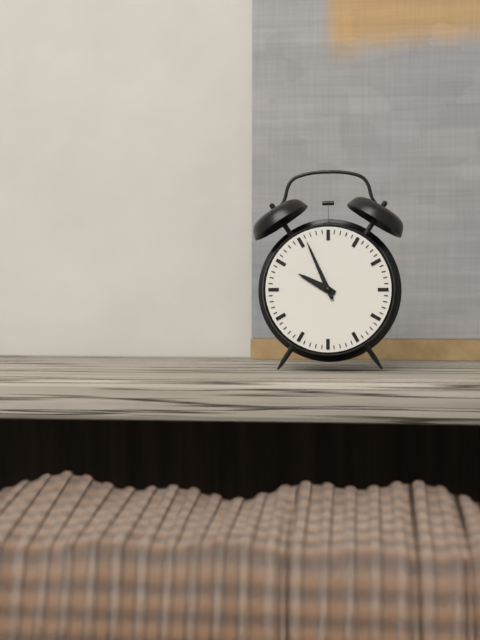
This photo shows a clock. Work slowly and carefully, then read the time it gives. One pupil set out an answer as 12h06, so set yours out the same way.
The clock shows 9h56
